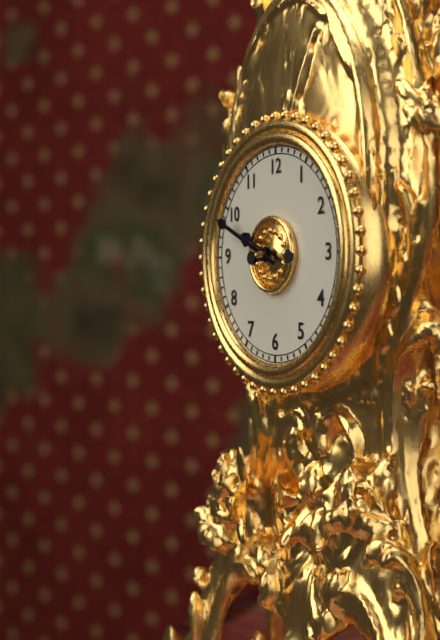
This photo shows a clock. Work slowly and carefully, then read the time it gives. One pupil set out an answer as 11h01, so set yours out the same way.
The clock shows 9h49
